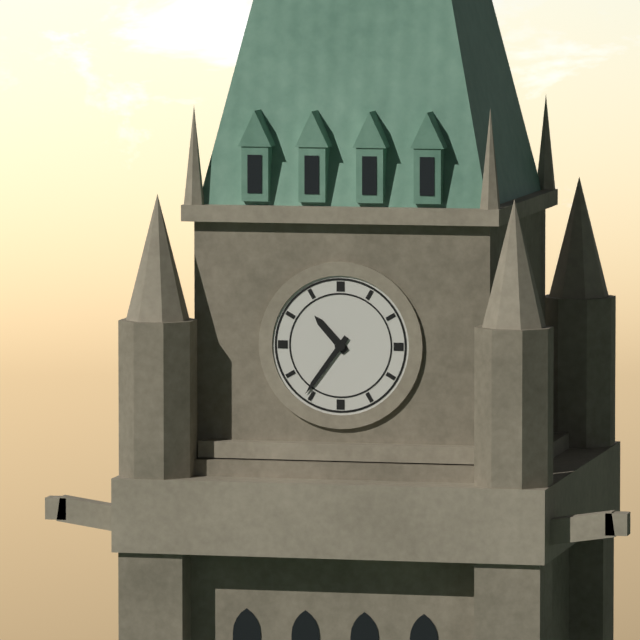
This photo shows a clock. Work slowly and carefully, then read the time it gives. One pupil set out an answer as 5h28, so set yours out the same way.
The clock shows 10h36
